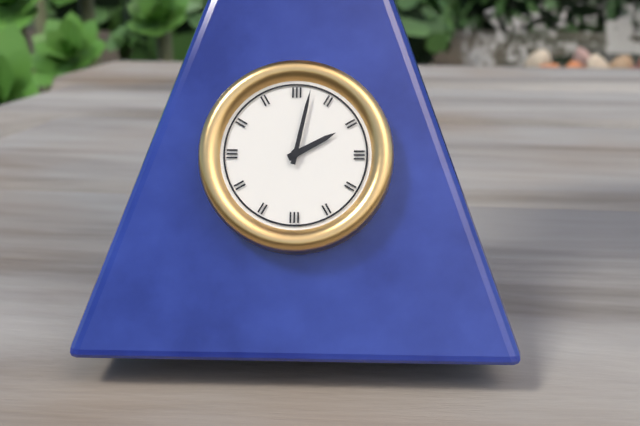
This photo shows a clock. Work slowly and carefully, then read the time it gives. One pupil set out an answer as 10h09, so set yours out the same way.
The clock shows 2h02
